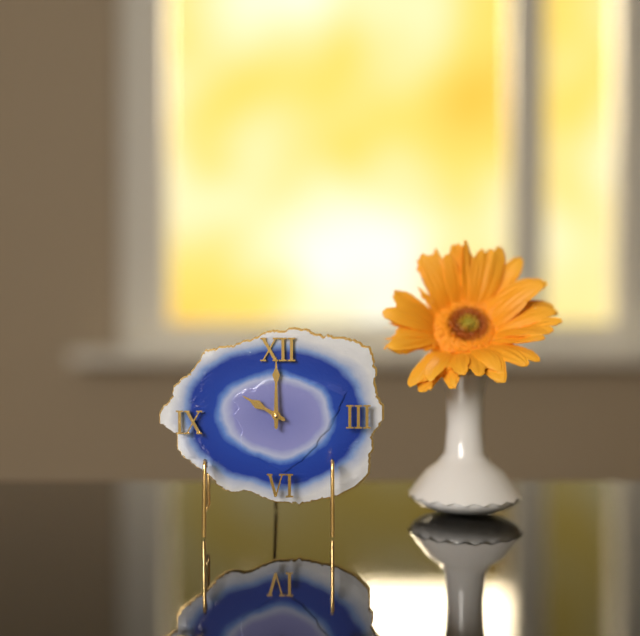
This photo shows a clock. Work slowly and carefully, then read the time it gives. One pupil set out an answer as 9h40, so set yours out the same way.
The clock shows 10h00
